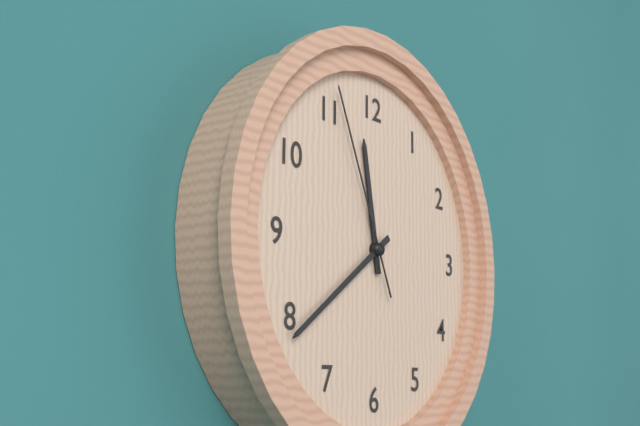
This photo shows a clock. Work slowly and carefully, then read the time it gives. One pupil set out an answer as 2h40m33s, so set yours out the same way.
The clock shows 11h39m56s
